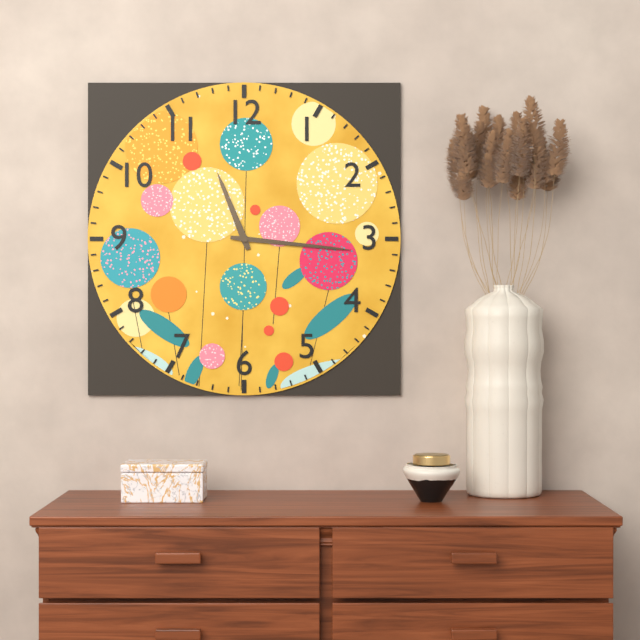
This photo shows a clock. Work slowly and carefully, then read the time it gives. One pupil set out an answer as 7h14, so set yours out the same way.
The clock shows 11h16
